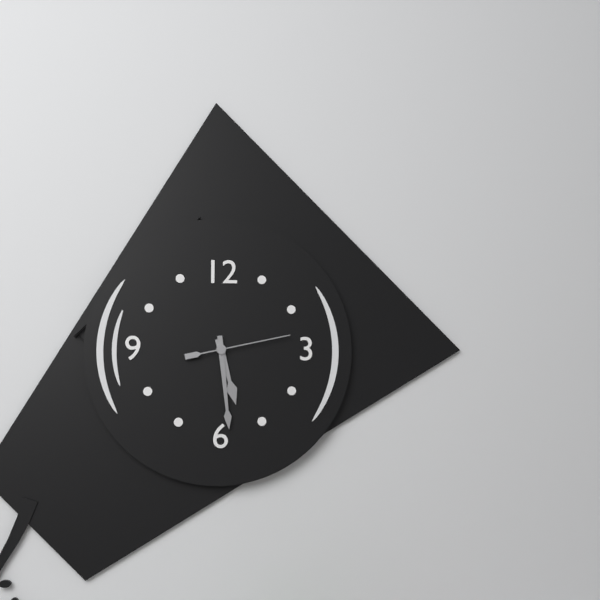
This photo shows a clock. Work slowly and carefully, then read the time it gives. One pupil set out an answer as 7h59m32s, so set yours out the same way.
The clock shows 5h29m13s
